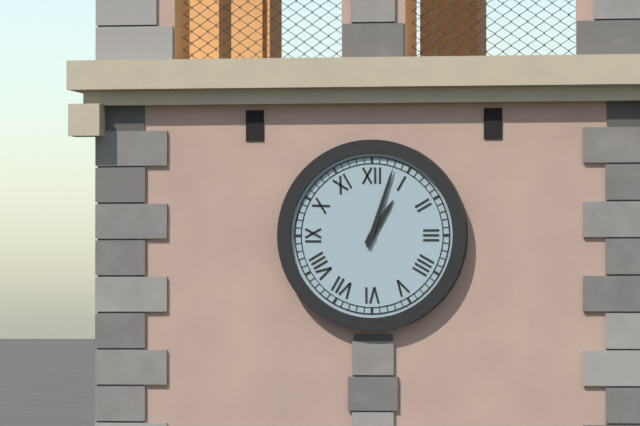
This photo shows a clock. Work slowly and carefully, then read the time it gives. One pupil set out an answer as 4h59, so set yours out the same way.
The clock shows 1h03
